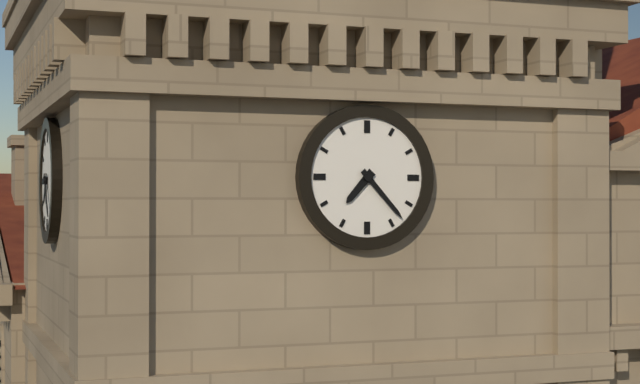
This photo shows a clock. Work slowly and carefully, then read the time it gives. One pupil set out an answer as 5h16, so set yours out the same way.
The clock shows 7h23
